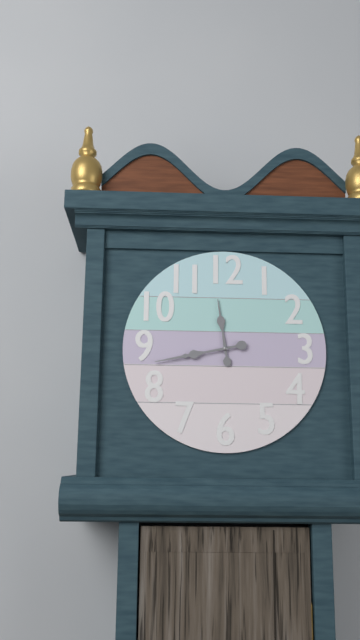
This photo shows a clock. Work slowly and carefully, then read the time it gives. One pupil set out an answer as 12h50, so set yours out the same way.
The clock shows 11h43
